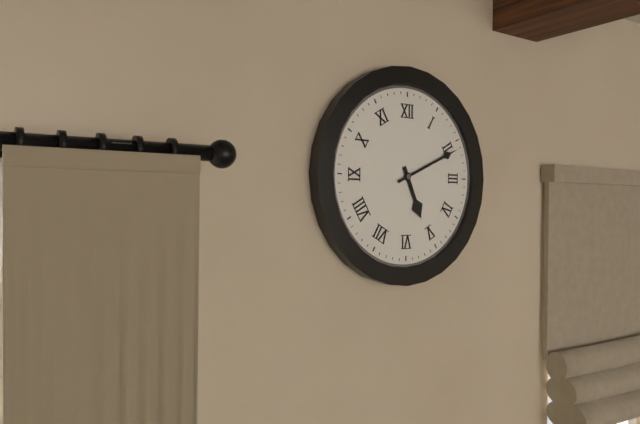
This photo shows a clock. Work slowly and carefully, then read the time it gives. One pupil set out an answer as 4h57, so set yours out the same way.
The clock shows 5h11
